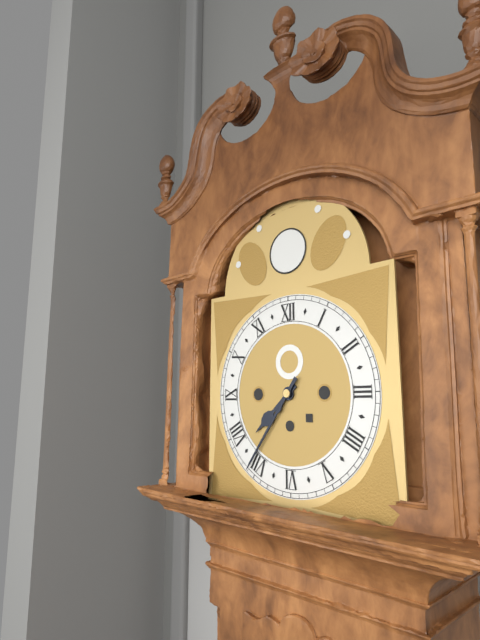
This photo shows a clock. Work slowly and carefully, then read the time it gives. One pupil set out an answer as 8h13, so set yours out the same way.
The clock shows 7h36
